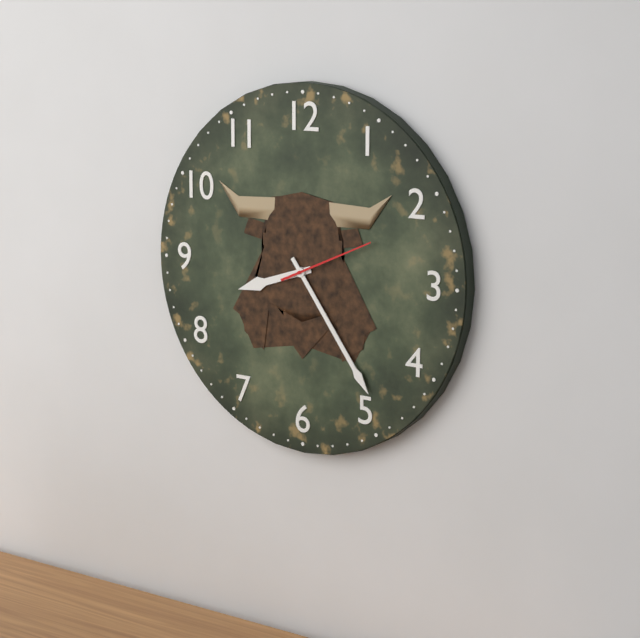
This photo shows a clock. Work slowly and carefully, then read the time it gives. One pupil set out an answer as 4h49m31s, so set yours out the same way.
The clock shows 8h24m11s
